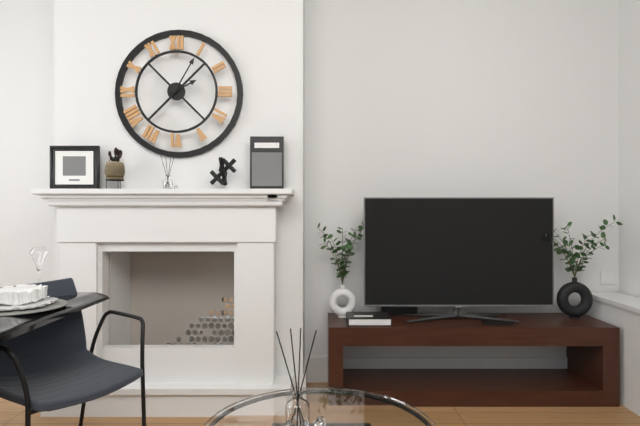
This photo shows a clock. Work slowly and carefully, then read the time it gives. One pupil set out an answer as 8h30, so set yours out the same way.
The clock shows 2h05
